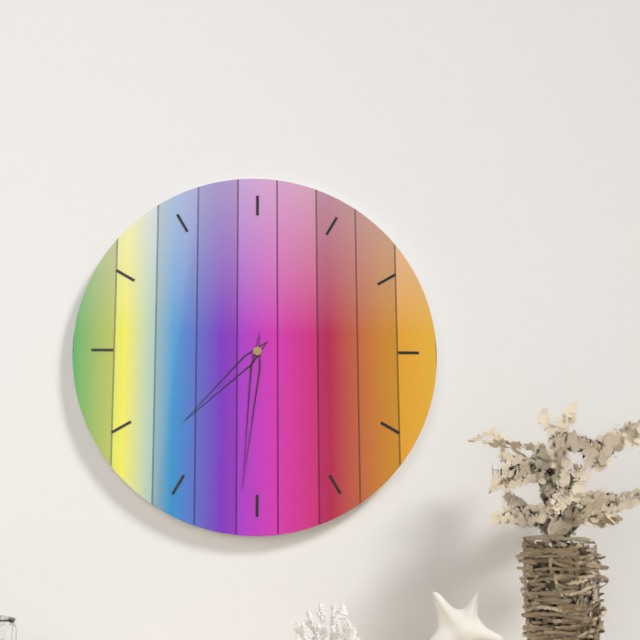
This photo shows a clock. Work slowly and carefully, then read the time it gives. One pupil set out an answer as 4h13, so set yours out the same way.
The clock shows 7h31
